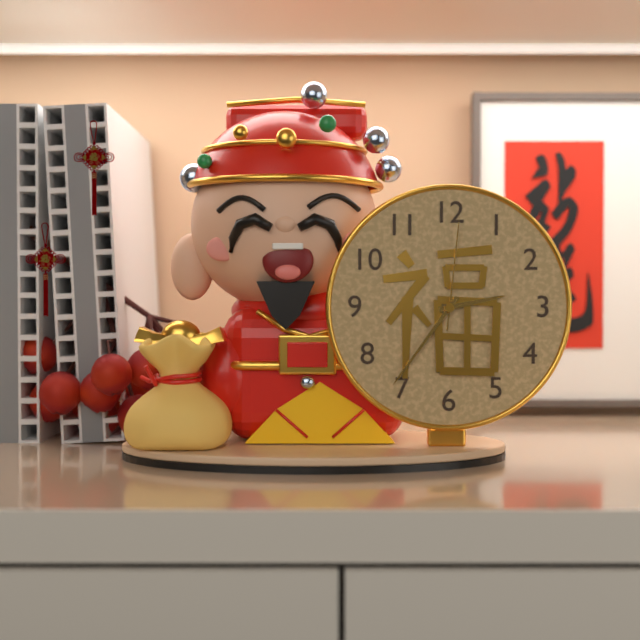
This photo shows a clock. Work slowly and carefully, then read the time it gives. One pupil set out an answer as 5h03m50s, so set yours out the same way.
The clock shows 2h36m01s
